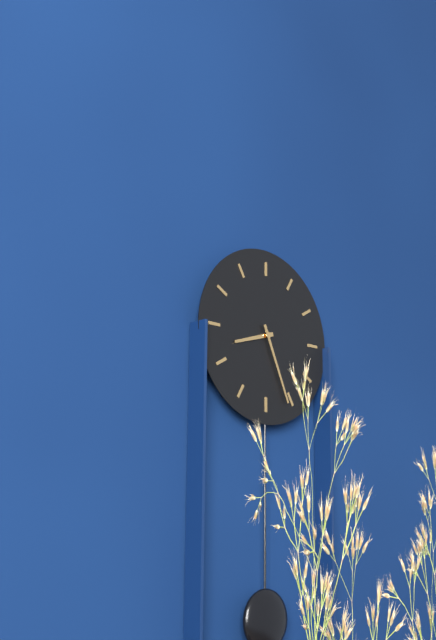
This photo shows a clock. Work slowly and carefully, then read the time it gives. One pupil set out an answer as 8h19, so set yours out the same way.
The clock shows 8h26
